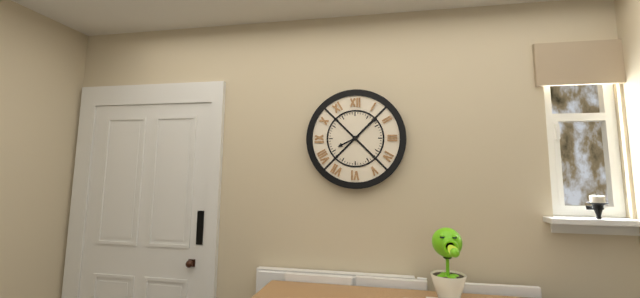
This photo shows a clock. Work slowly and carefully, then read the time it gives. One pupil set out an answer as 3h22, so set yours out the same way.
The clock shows 8h08
